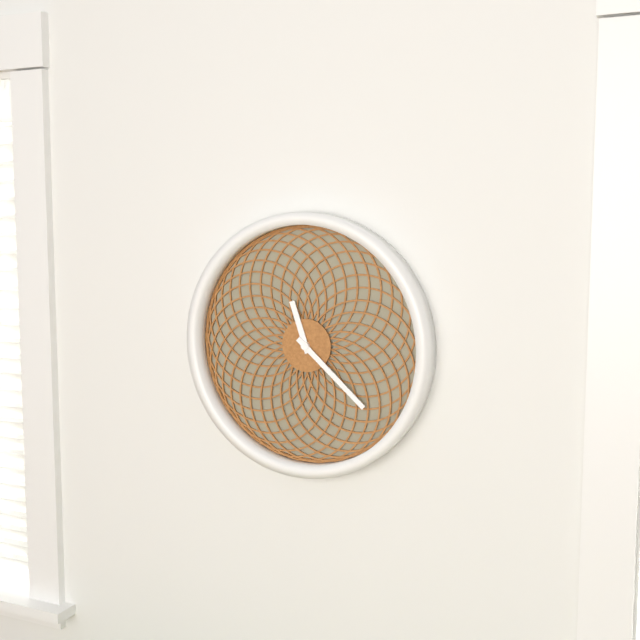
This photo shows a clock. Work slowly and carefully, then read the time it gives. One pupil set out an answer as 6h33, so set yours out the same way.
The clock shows 11h22
